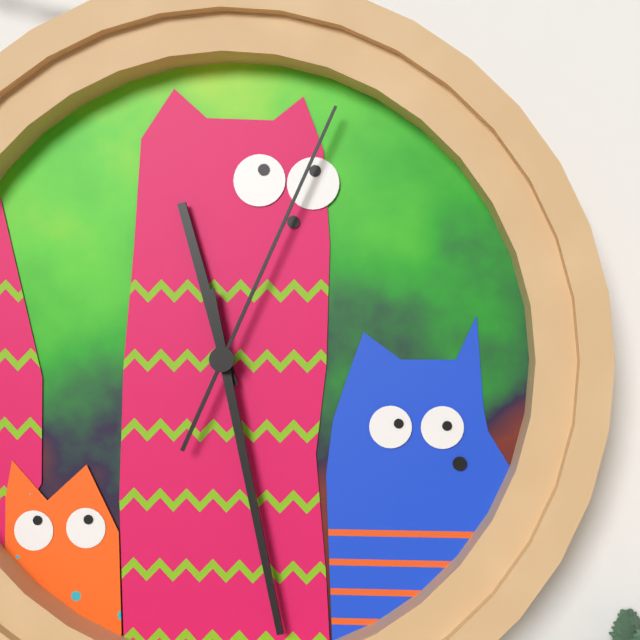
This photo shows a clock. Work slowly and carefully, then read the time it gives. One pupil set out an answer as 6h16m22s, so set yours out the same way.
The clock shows 11h28m04s
